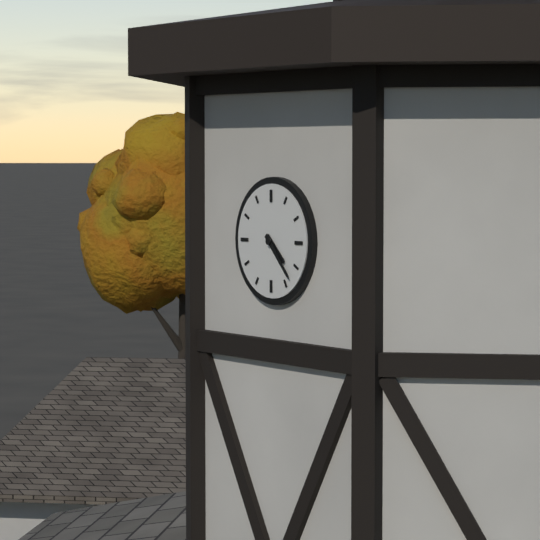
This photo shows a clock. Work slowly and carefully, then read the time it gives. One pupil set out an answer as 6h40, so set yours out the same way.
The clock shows 4h23
